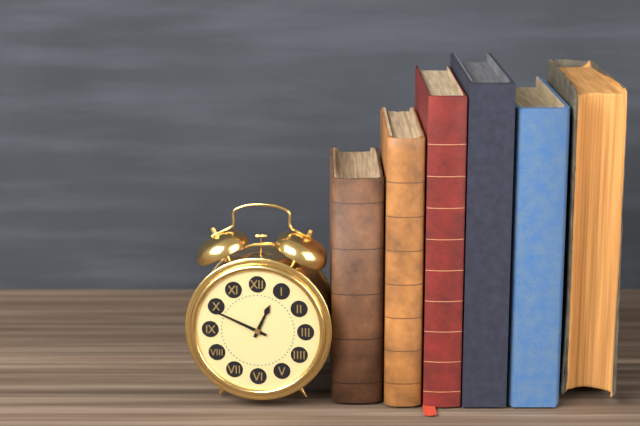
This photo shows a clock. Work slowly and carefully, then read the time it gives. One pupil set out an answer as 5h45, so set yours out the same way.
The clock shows 12h49
